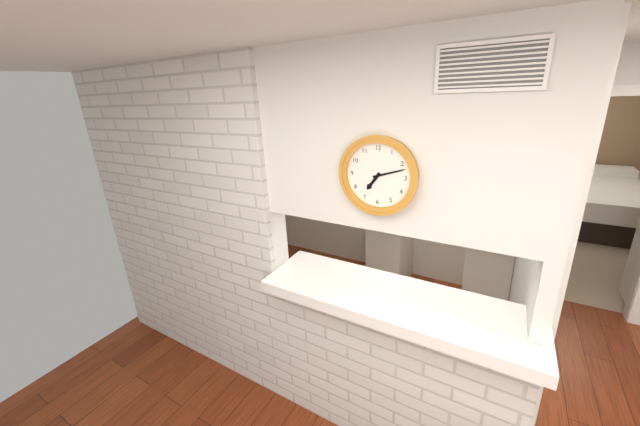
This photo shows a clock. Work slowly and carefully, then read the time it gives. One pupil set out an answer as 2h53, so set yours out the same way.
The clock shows 7h12
